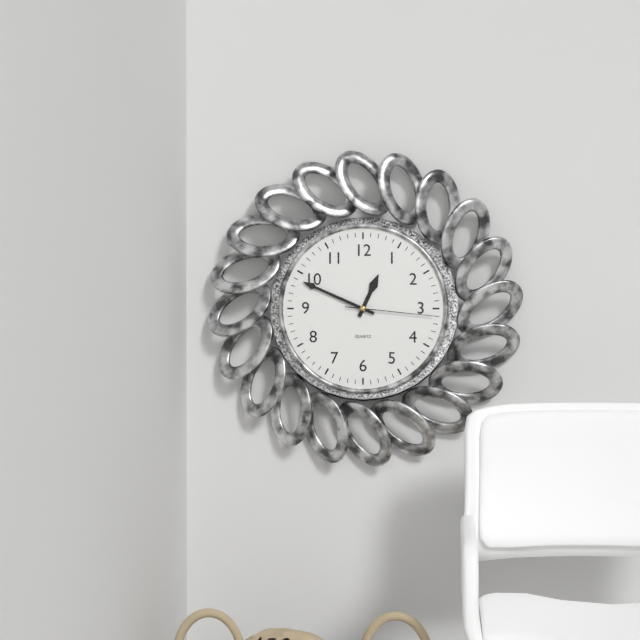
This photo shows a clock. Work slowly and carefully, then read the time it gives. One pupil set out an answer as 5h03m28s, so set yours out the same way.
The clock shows 12h49m16s
